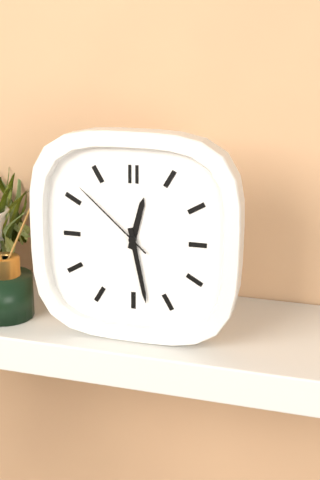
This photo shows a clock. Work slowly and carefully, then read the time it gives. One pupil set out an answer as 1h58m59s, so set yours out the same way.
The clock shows 12h28m52s
